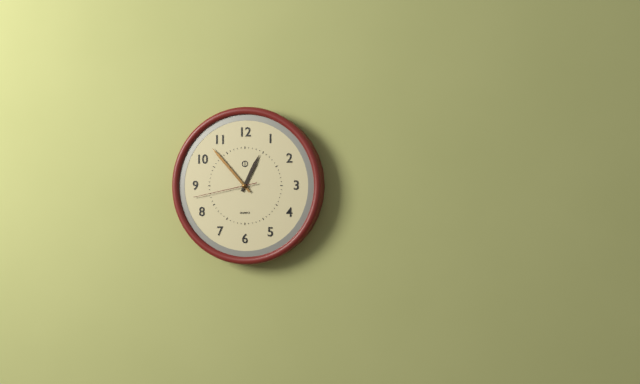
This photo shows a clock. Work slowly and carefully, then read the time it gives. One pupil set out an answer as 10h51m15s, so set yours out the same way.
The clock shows 12h53m43s
